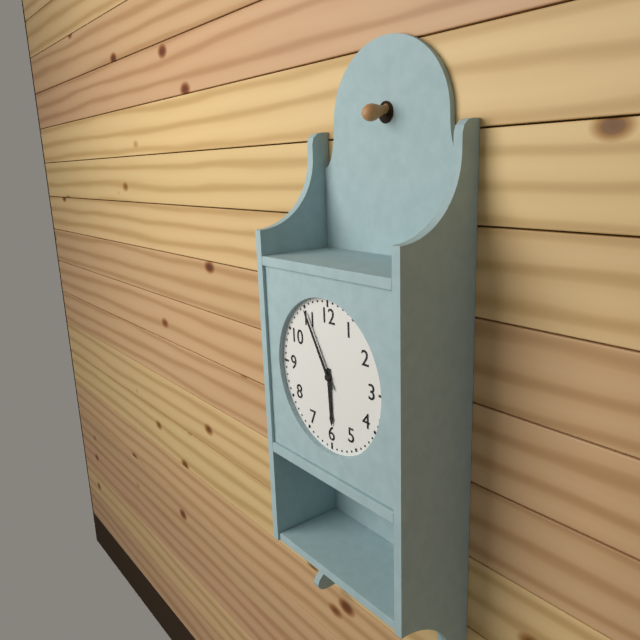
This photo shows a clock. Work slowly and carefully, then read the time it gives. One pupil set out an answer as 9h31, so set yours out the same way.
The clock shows 5h55
